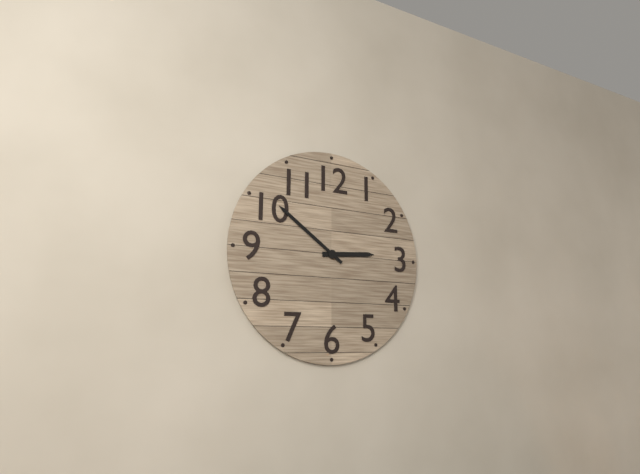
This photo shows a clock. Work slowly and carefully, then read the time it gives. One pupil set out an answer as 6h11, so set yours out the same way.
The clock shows 2h51
